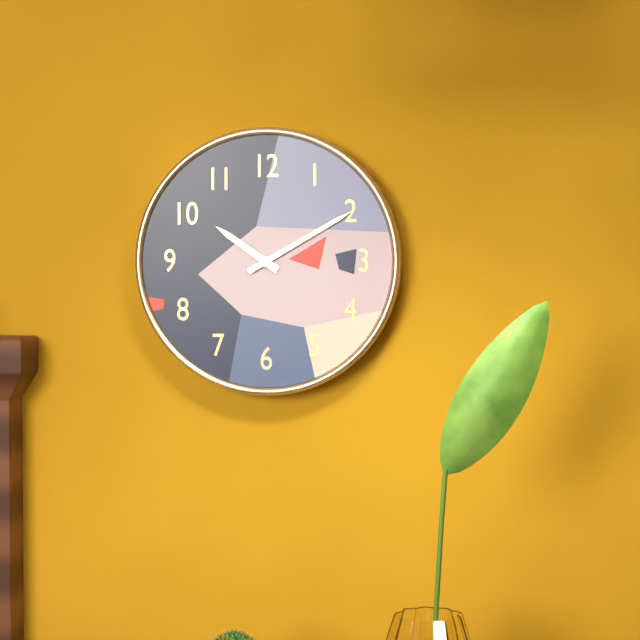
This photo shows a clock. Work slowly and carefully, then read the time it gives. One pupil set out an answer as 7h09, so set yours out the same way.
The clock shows 10h10
